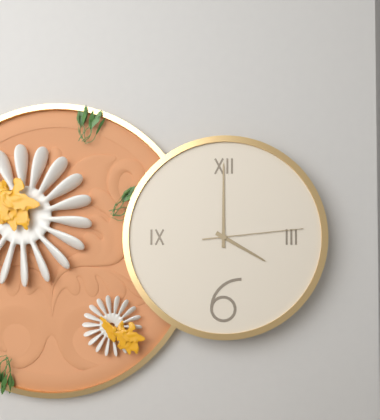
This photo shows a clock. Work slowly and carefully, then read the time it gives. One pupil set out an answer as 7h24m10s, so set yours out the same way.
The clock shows 4h00m14s
